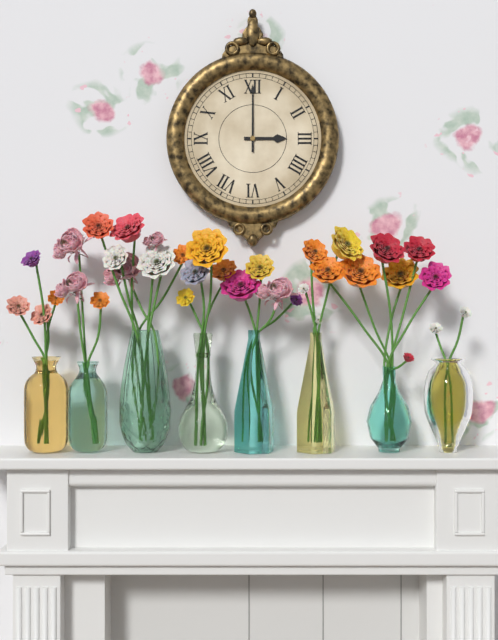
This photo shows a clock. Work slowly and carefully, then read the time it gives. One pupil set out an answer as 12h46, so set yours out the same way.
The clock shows 3h00
